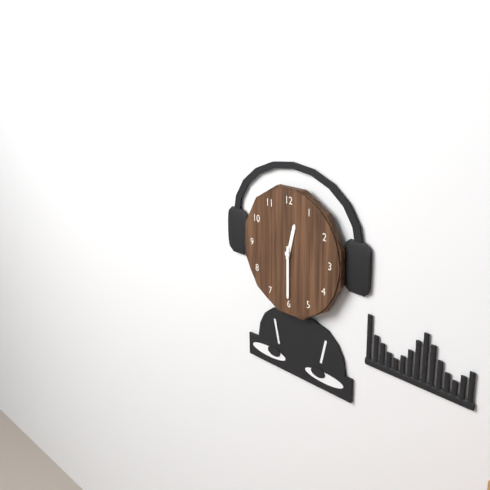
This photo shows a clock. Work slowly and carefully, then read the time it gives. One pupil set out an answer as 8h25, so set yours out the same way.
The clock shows 12h30
